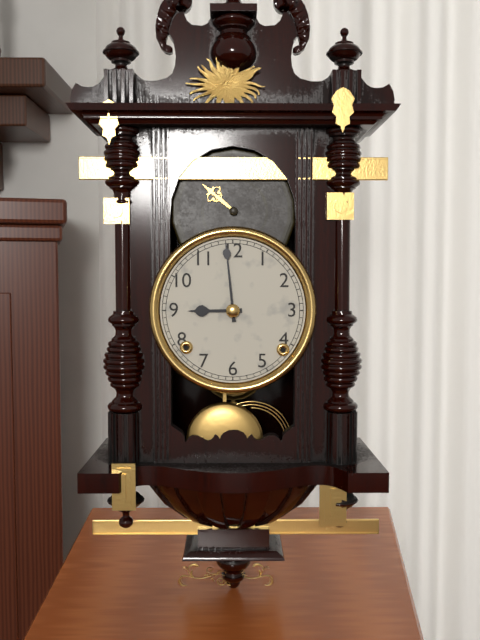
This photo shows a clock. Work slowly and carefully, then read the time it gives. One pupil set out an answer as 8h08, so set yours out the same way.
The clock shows 8h59
